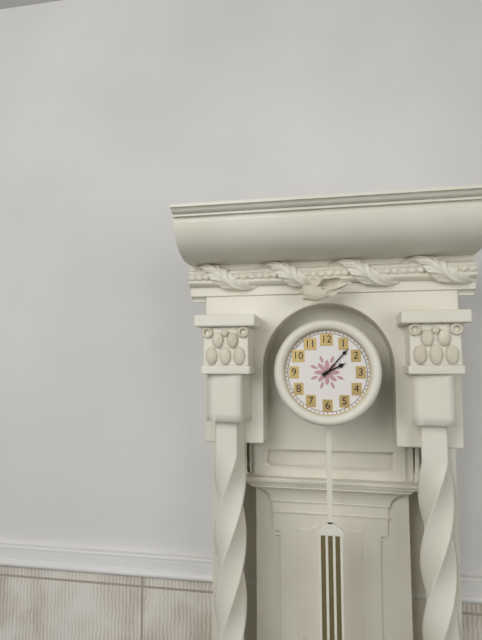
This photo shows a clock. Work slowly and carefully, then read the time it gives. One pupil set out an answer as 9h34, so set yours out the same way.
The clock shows 2h07
